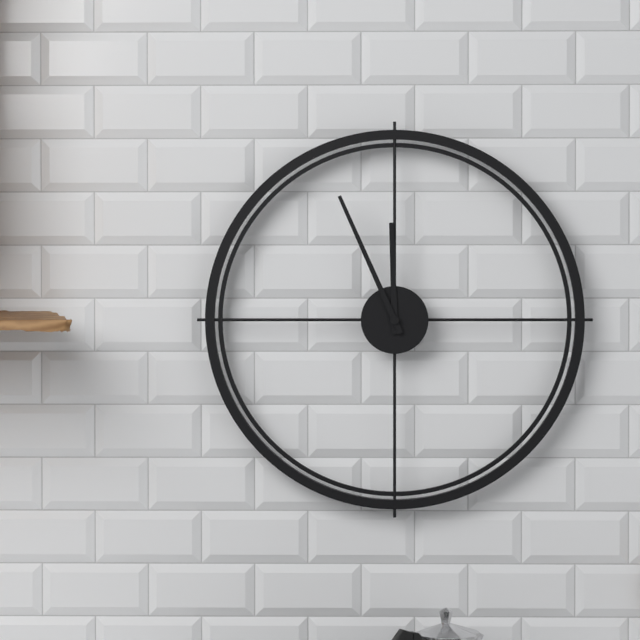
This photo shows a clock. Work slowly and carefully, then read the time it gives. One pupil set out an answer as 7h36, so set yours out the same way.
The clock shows 11h56
